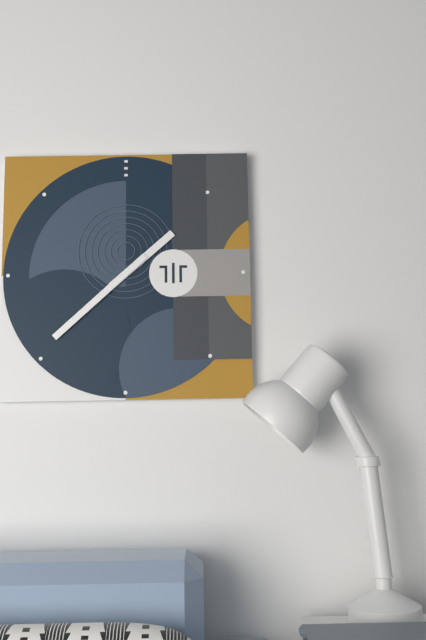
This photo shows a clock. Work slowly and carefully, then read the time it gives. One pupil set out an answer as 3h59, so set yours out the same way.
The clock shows 1h38
